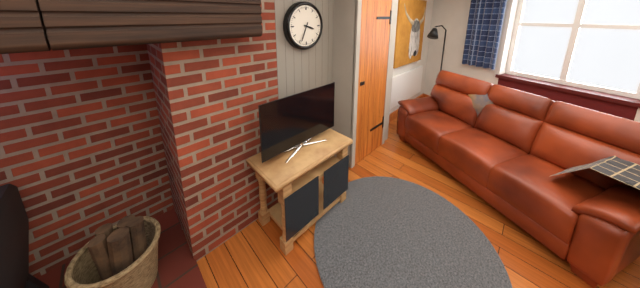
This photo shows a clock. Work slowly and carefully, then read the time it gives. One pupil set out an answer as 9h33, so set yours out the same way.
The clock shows 3h34
